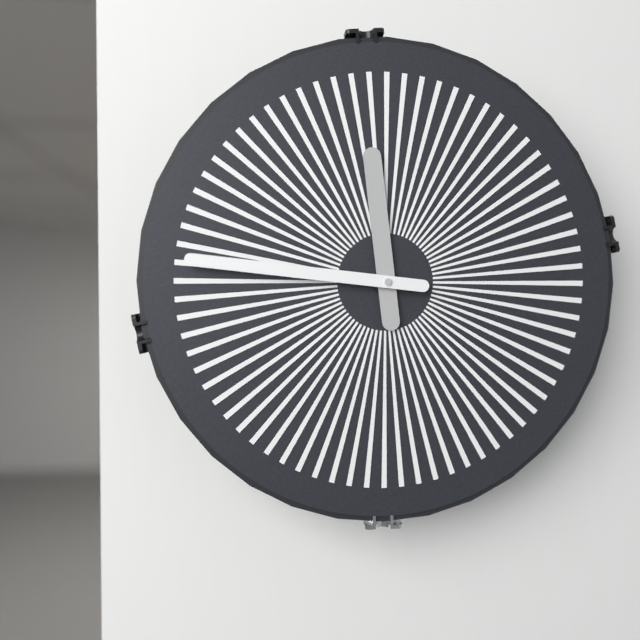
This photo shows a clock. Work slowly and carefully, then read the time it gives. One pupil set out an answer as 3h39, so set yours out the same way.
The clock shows 11h46
